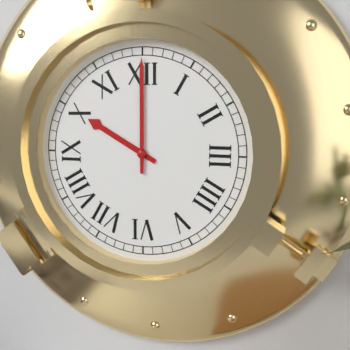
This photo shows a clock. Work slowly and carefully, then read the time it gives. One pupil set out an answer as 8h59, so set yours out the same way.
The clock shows 10h00
